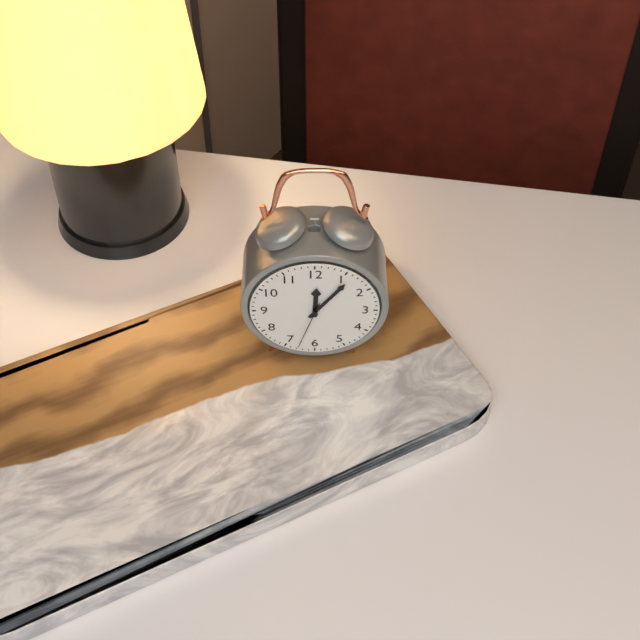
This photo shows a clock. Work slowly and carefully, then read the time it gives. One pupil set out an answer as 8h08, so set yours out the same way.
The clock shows 12h06
